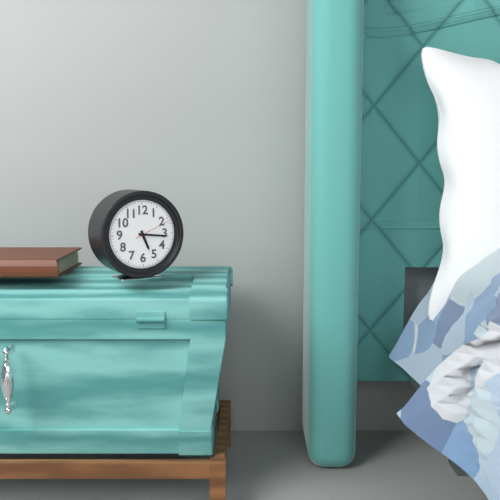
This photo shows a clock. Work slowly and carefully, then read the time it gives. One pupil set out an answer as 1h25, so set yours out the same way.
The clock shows 5h16
